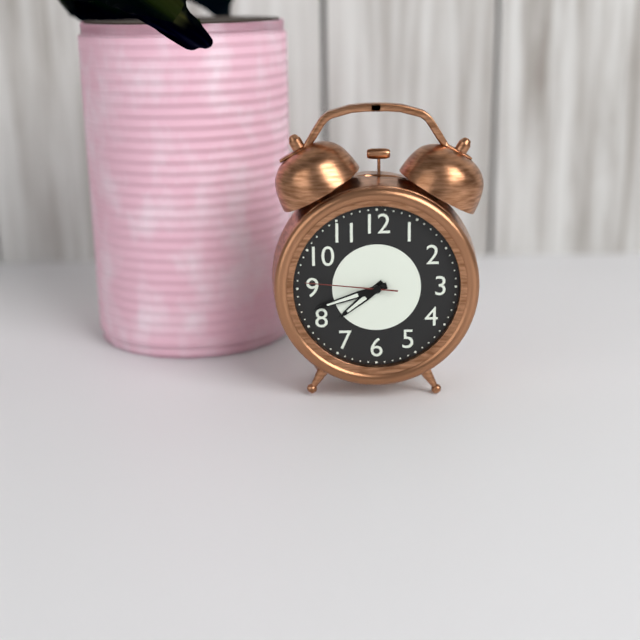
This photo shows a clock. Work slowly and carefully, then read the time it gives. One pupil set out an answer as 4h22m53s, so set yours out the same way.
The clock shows 7h42m46s
